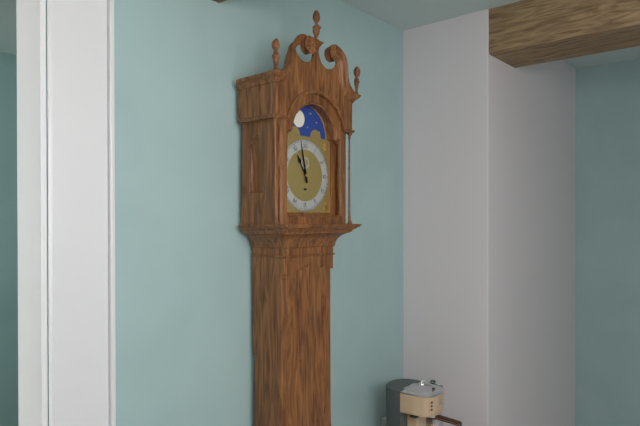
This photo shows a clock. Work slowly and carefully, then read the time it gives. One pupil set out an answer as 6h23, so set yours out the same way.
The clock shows 10h58
